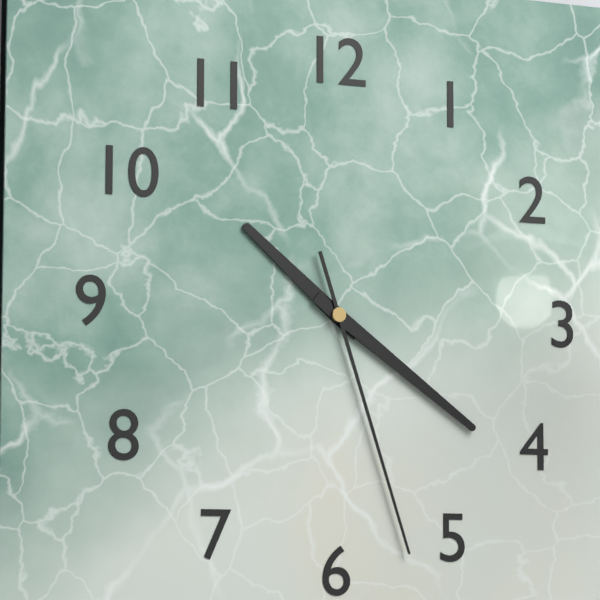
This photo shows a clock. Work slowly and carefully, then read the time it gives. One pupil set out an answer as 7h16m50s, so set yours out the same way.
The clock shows 10h21m27s
